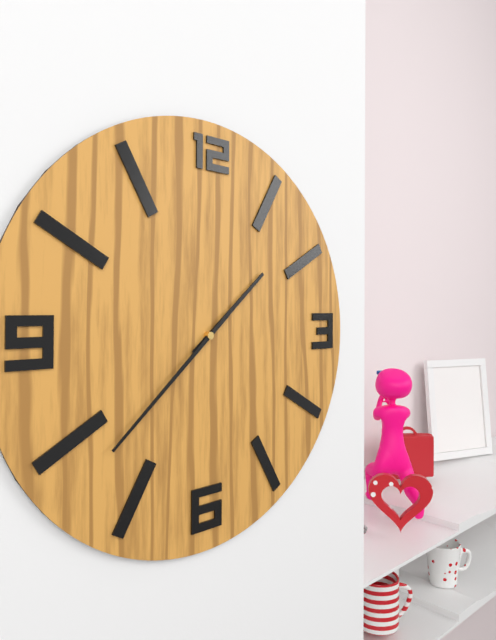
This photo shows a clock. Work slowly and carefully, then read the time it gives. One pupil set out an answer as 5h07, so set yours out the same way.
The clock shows 1h38
